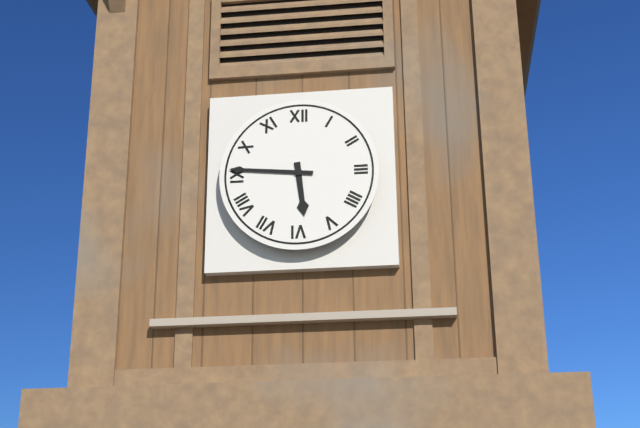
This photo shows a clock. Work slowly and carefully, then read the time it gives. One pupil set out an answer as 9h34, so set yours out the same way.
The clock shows 5h46
